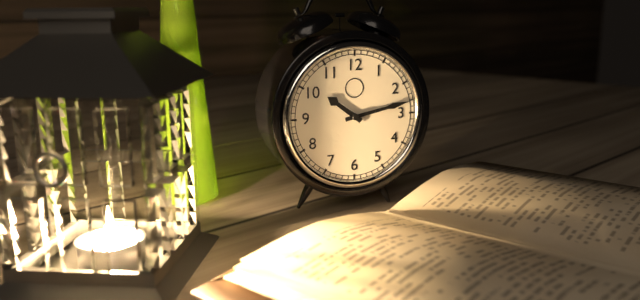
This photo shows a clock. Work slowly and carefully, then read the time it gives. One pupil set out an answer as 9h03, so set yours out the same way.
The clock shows 10h13
